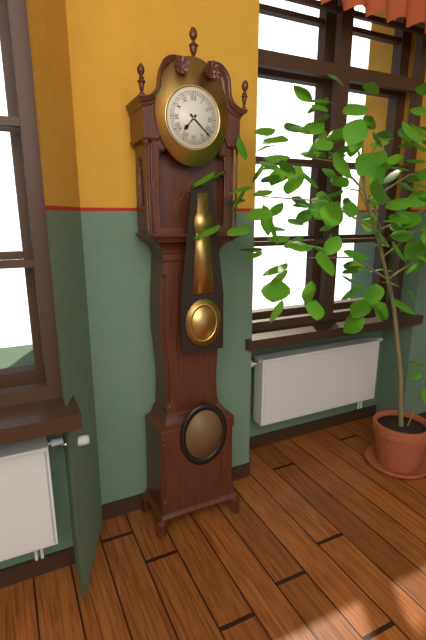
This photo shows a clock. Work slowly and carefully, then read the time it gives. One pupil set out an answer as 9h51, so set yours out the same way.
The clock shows 7h22
